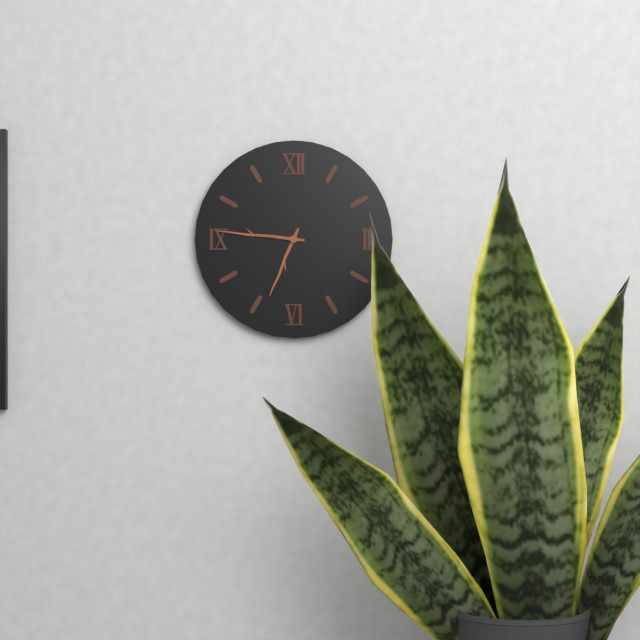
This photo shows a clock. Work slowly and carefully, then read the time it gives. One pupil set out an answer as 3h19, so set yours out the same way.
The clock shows 6h46
